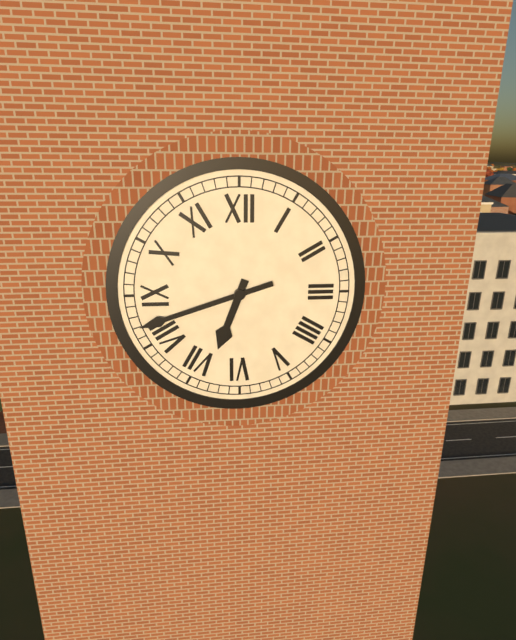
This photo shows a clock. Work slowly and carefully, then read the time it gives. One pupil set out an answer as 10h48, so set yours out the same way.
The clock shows 6h42
